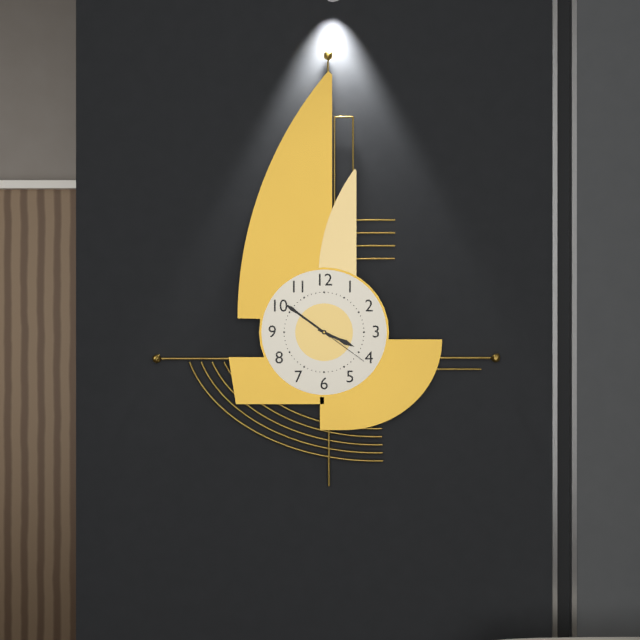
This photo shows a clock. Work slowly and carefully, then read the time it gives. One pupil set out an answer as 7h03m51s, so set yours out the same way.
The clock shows 3h51m21s
